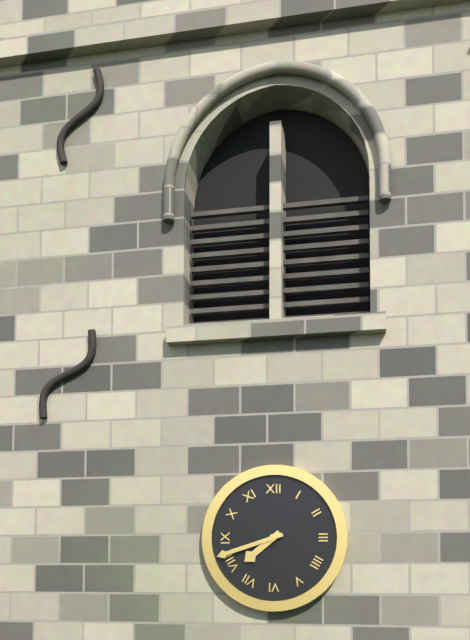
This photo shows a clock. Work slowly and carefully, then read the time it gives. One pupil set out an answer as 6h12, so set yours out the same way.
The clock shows 7h42
